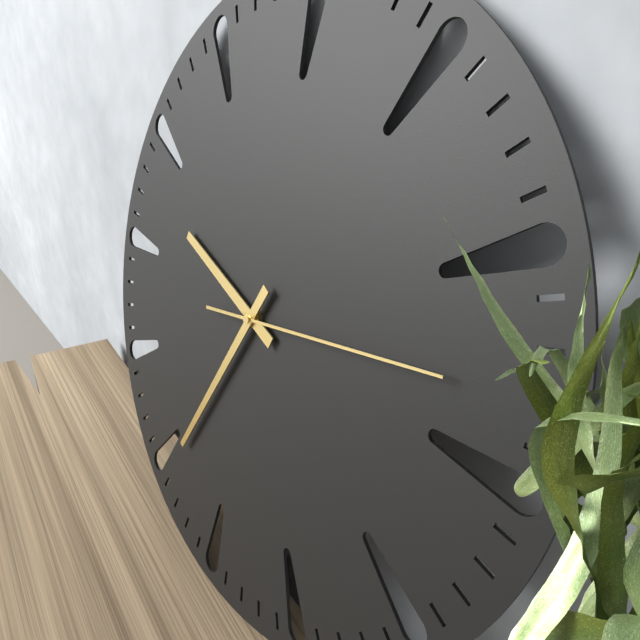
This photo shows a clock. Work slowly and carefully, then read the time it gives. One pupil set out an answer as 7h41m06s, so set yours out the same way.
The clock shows 9h34m13s
